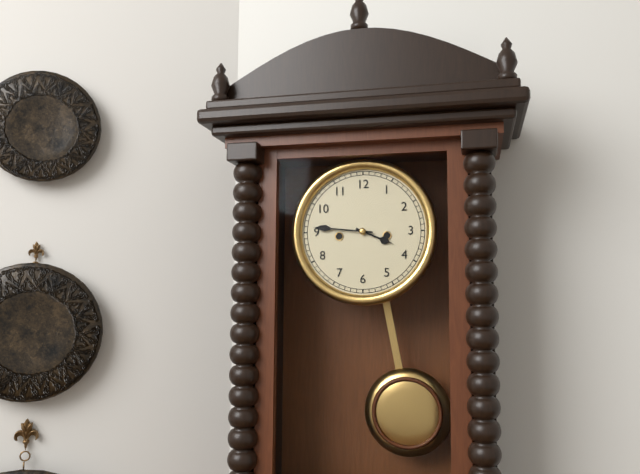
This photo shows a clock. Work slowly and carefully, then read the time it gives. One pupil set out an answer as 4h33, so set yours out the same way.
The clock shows 3h46
